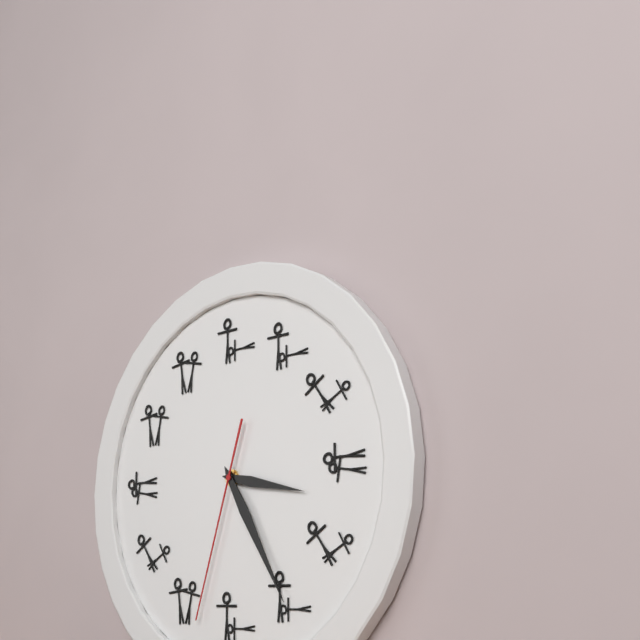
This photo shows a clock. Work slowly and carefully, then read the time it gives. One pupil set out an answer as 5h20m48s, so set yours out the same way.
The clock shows 3h25m33s
